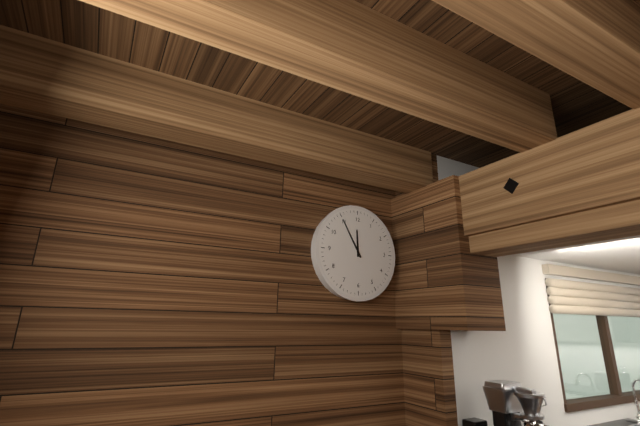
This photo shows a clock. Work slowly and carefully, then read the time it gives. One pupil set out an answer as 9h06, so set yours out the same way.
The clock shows 11h55
